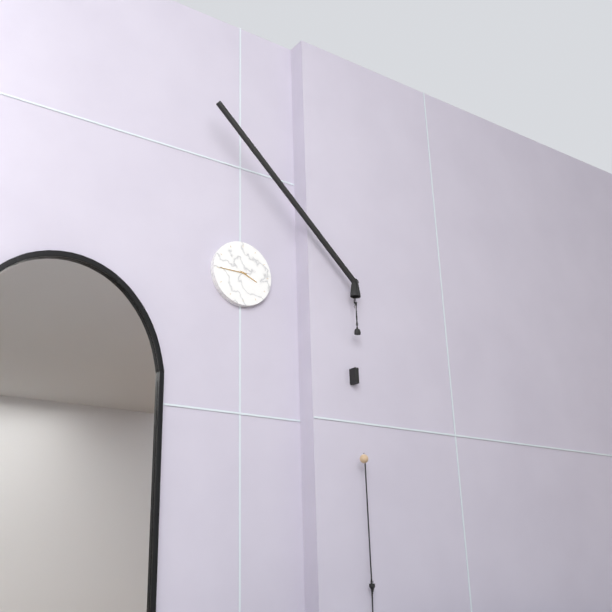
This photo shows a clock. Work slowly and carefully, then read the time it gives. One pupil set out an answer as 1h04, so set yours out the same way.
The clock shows 3h45
